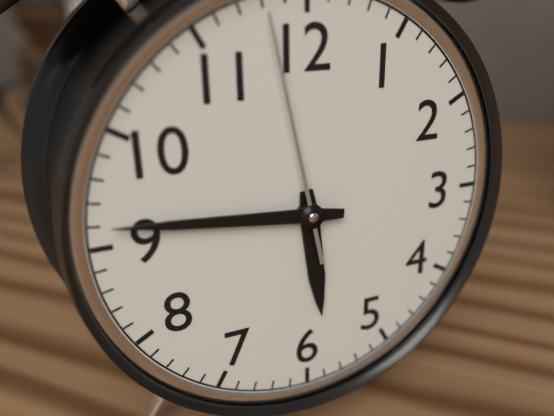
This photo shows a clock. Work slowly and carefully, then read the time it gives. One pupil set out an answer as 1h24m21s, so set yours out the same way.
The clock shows 5h46m58s
